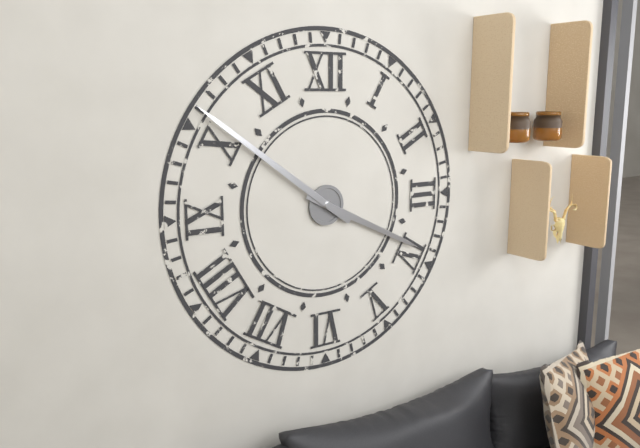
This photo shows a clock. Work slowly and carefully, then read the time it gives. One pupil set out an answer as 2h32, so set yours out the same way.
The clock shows 3h51
